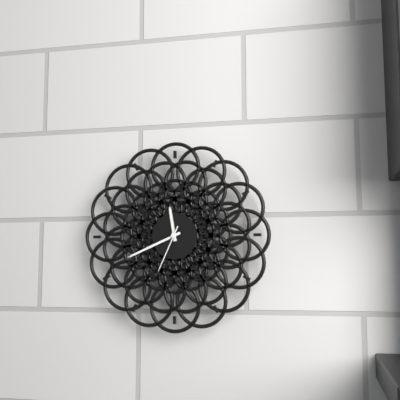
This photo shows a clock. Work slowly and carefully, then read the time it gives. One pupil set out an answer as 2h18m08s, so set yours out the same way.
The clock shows 11h41m34s
